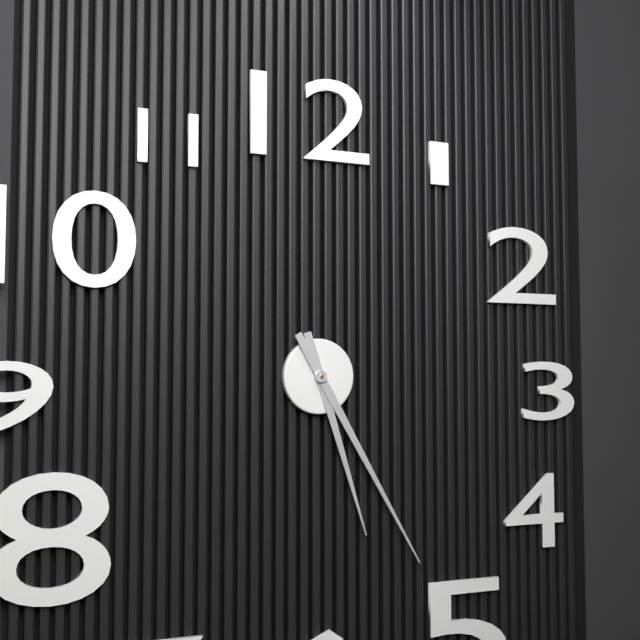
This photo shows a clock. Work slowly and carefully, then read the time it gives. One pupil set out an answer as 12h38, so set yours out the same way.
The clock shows 5h25
